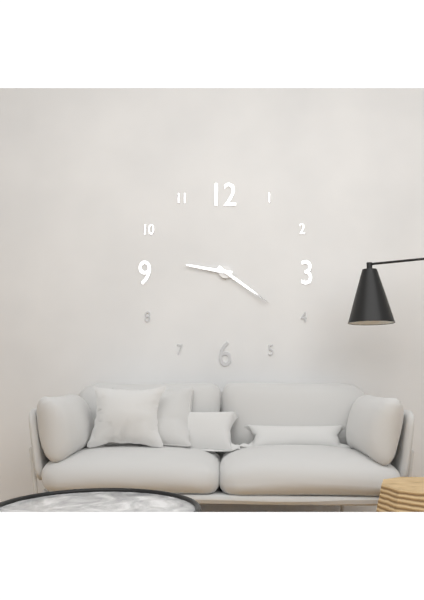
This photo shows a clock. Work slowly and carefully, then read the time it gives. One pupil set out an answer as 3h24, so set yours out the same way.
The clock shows 9h21
